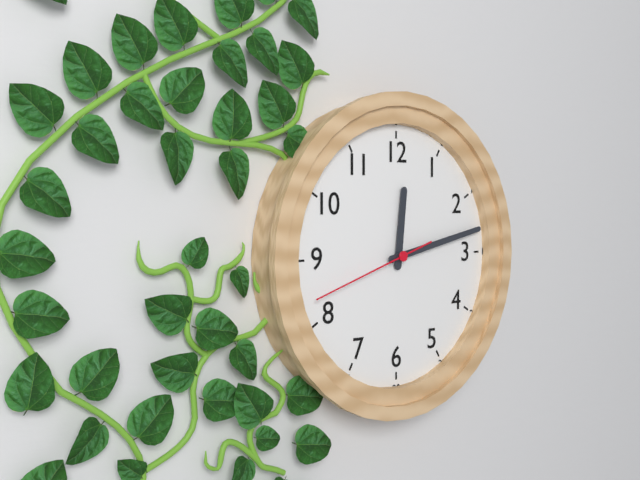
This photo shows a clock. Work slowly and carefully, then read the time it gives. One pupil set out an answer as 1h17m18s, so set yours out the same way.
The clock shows 12h13m42s
